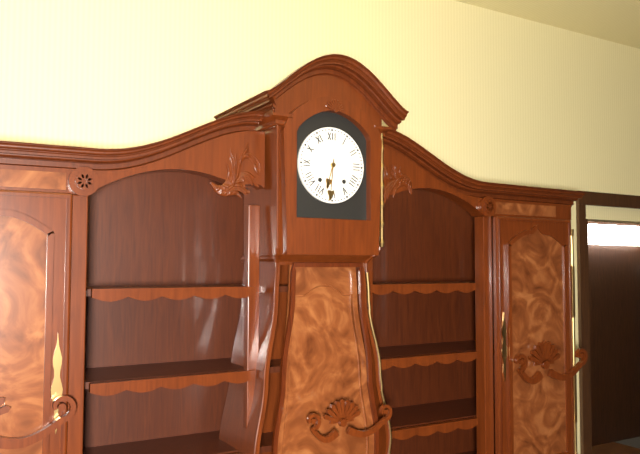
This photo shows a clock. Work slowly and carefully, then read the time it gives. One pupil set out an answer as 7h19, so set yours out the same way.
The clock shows 6h31
